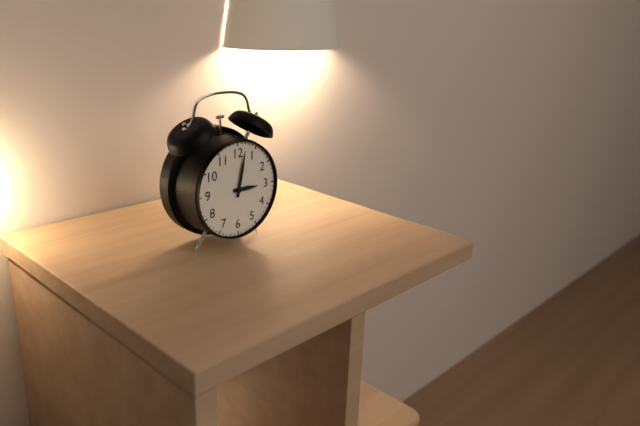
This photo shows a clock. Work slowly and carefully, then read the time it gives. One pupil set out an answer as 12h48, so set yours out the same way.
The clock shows 3h02
